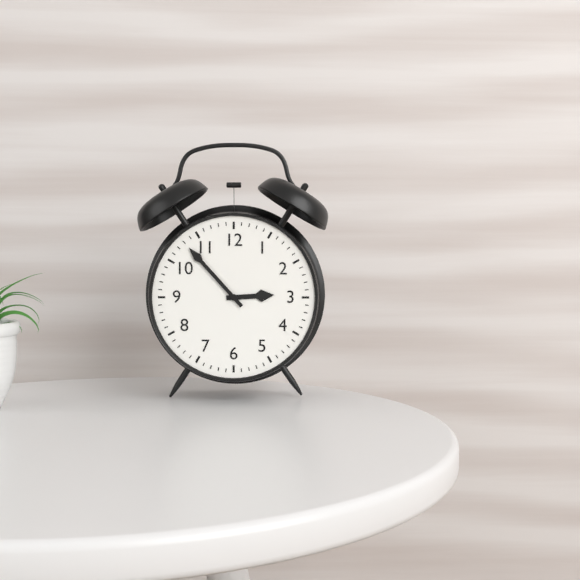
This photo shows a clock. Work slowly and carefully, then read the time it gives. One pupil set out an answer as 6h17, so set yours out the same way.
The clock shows 2h53
